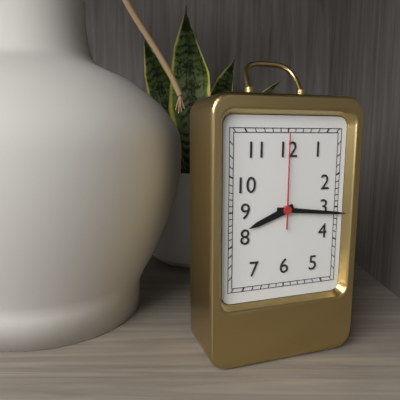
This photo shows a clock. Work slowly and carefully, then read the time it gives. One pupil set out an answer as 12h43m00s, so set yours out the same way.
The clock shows 8h16m00s
